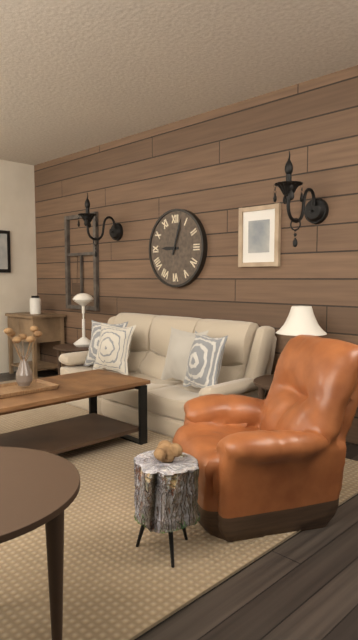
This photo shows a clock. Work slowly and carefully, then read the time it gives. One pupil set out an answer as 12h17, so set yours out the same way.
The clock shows 9h03
